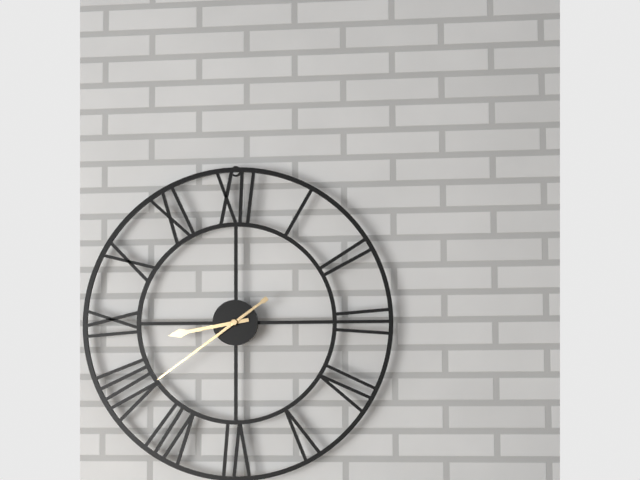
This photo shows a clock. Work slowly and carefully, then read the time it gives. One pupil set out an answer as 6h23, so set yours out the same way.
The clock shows 8h39
